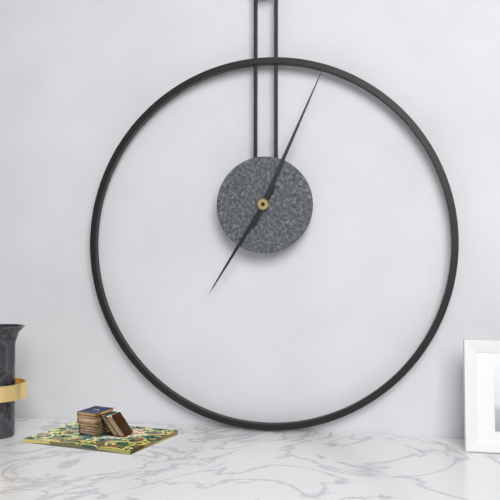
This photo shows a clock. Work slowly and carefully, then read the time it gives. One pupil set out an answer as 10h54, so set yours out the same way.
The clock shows 7h04
